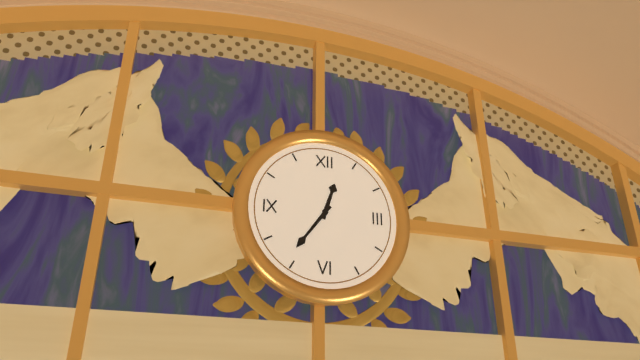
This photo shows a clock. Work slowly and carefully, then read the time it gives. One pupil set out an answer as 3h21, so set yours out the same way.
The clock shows 12h36
